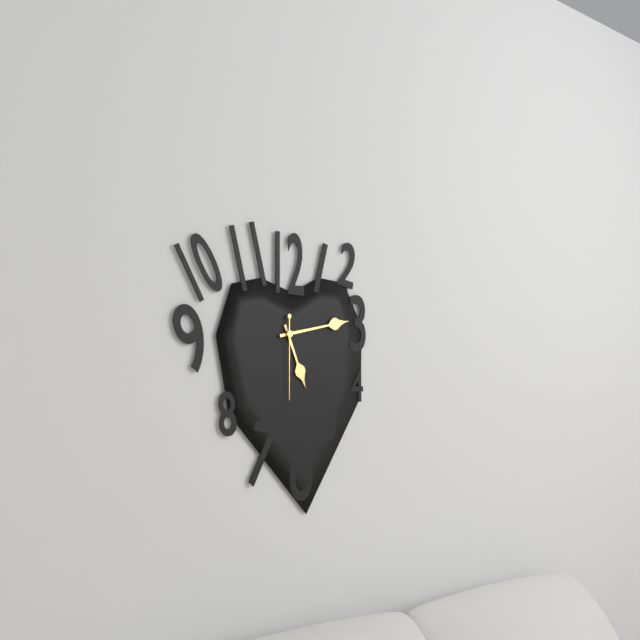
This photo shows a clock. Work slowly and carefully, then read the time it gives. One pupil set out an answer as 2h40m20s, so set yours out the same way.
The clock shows 5h13m30s
